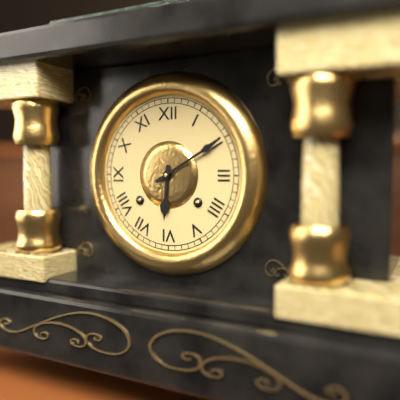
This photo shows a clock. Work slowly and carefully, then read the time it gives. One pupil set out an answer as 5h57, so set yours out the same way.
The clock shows 6h10
